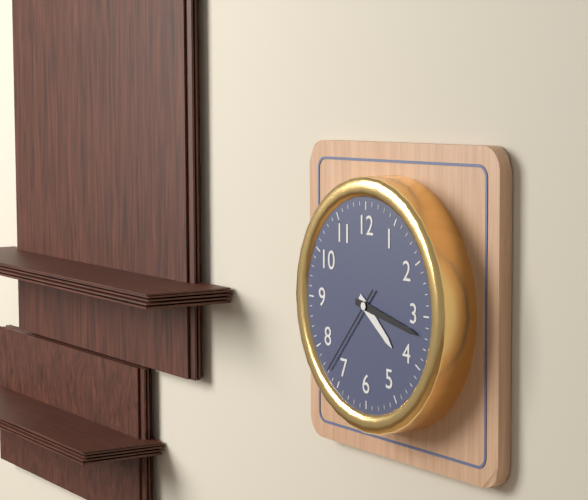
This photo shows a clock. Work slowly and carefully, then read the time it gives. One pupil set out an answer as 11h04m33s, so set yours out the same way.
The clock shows 4h17m37s
